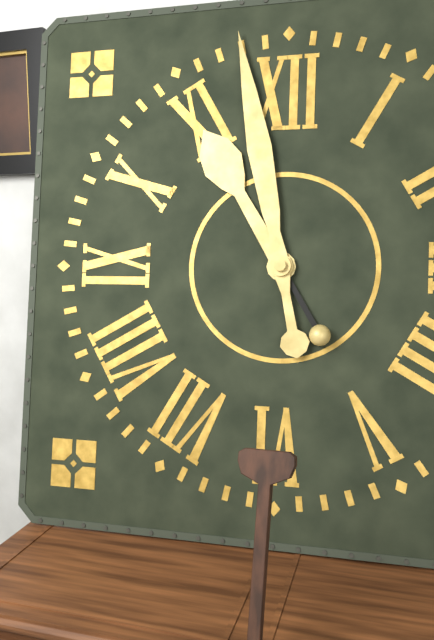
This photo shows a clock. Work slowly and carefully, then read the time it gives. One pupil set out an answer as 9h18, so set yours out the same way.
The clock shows 10h58
